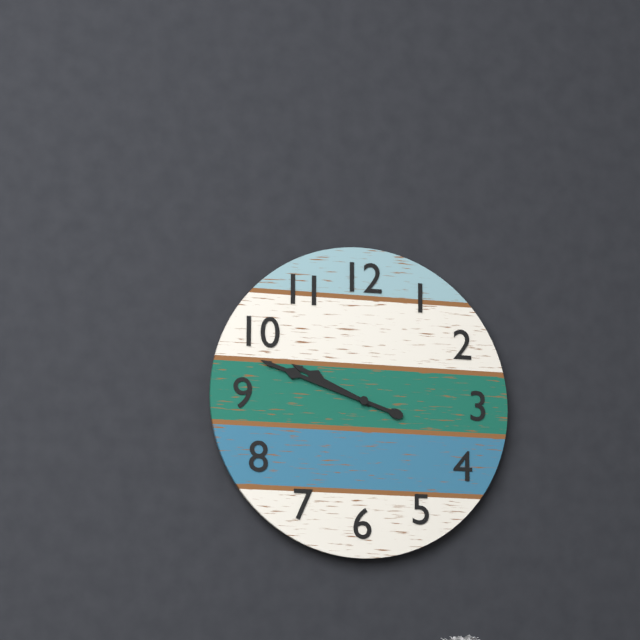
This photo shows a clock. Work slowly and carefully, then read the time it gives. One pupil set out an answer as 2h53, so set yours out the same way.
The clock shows 9h48
